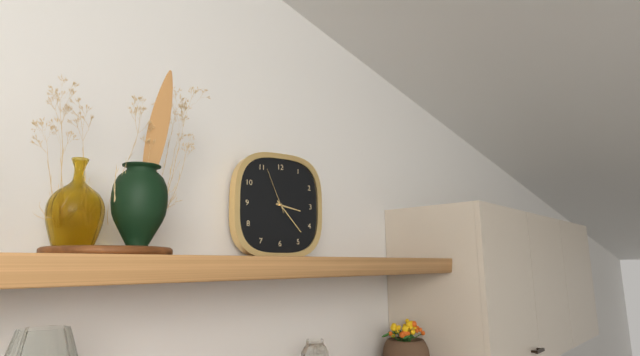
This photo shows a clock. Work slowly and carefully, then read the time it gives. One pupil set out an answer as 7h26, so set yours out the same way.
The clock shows 3h23
